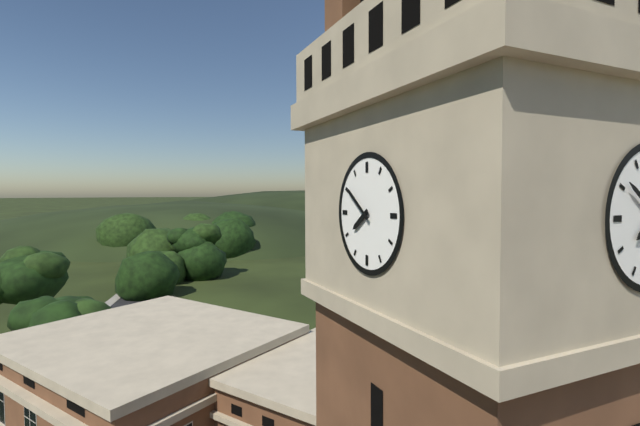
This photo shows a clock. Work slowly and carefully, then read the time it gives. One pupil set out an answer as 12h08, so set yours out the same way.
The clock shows 7h51
